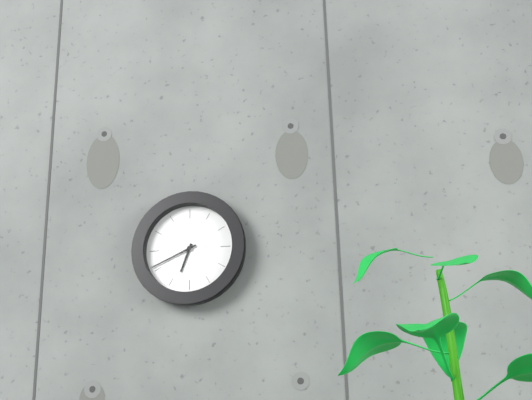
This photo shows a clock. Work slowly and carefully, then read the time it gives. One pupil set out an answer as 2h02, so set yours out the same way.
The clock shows 6h41
